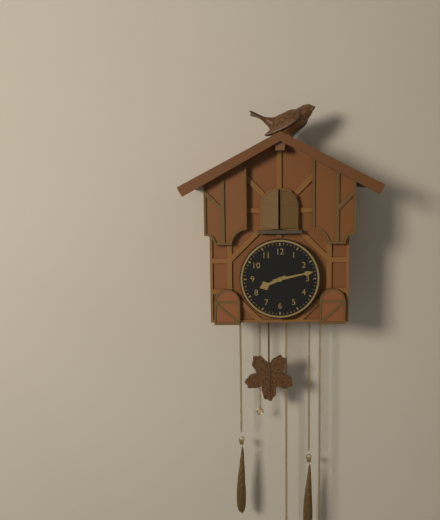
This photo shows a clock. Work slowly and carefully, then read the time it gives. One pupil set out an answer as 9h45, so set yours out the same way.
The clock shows 8h13
